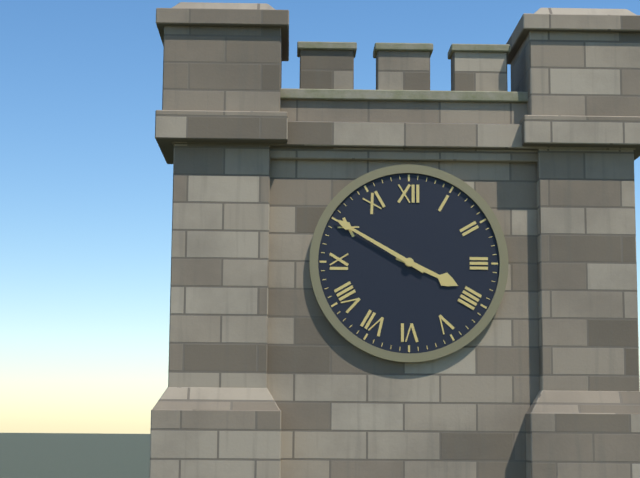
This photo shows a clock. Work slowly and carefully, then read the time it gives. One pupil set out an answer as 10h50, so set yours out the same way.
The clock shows 3h50
